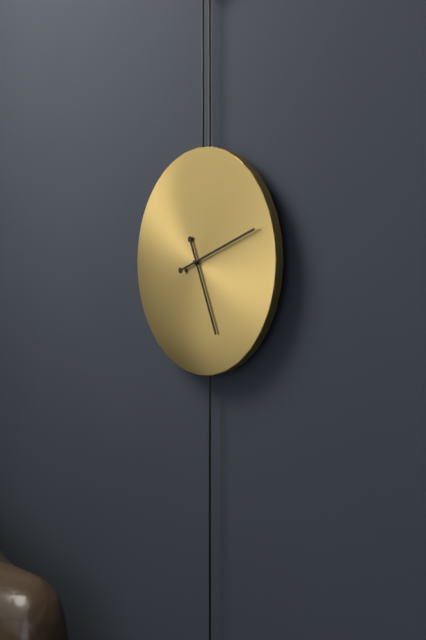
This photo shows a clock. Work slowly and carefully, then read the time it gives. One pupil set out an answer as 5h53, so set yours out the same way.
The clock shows 5h12
